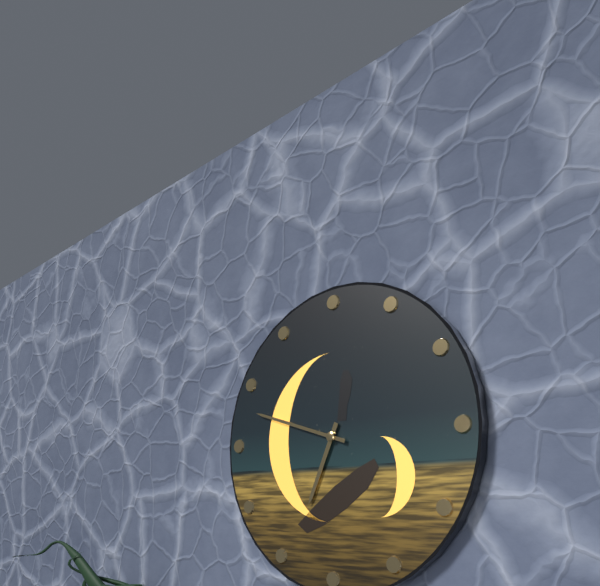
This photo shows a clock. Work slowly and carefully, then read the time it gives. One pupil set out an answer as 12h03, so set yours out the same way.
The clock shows 6h48
